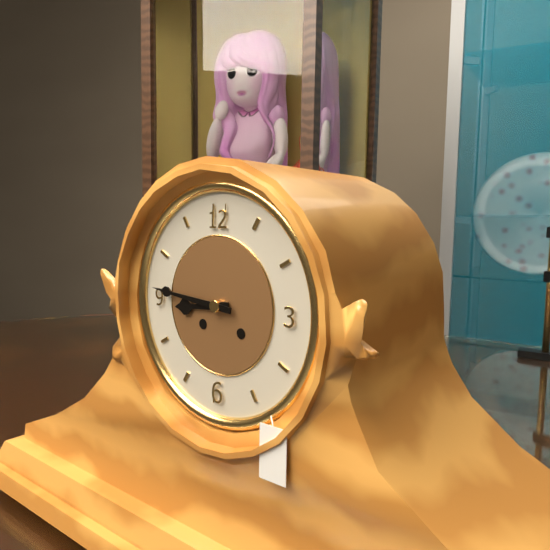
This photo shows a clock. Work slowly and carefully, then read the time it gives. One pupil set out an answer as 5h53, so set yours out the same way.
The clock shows 8h46
